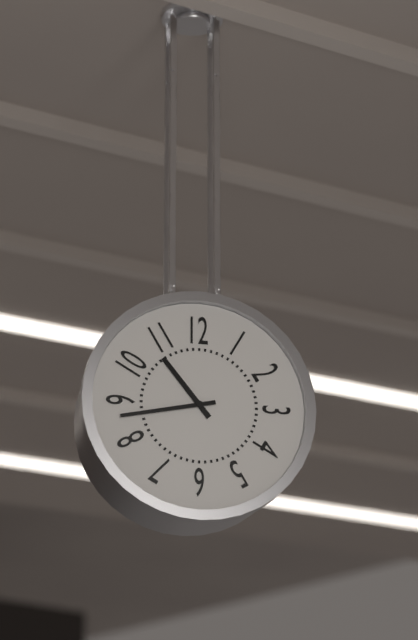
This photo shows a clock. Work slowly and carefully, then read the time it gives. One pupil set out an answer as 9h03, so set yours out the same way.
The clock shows 10h43
